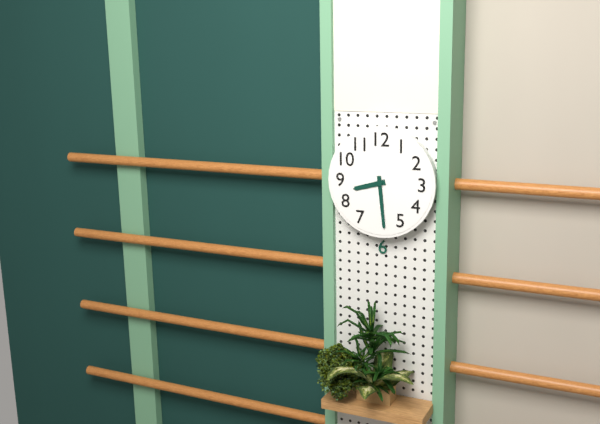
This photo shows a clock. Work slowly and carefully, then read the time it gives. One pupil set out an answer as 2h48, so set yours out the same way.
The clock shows 8h29
